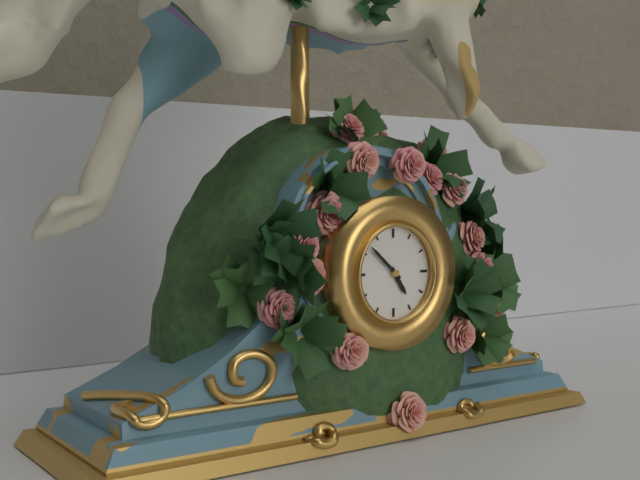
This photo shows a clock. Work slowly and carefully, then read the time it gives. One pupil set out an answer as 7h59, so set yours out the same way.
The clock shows 4h52
